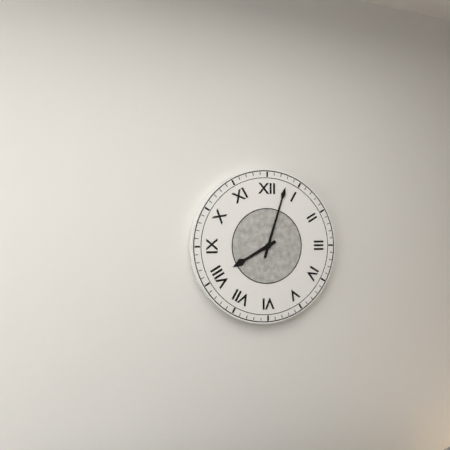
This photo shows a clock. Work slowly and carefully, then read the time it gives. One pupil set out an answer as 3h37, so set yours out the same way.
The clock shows 8h03
